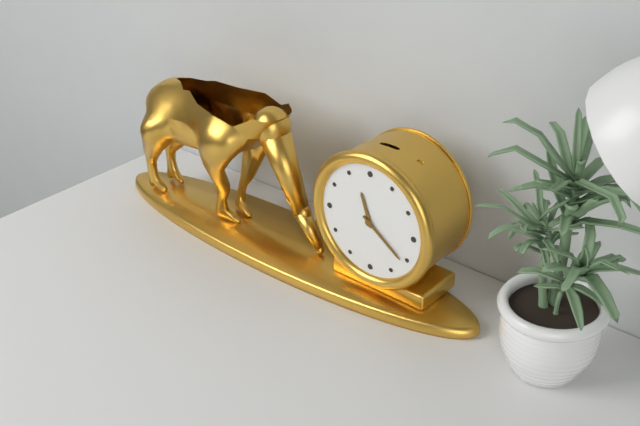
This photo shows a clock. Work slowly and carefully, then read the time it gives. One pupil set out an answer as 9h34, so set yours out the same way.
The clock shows 11h21
